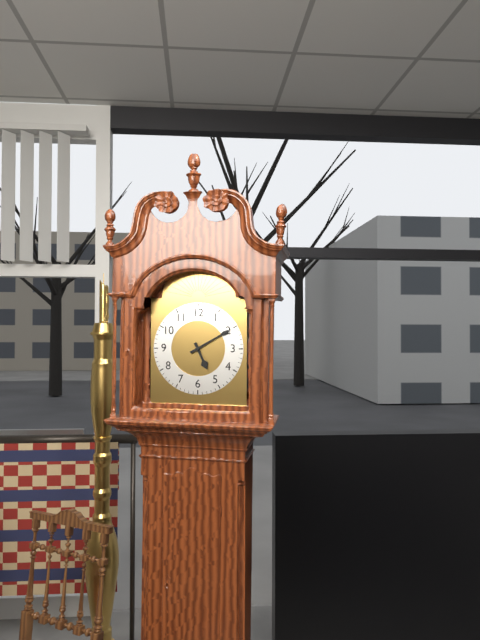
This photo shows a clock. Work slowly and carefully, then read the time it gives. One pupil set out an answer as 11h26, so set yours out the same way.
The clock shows 5h10
